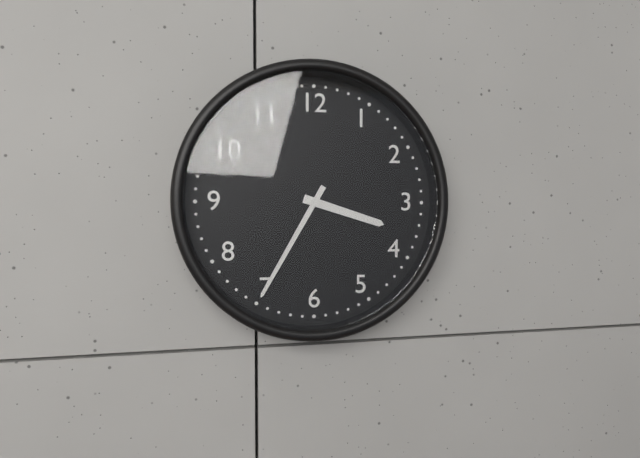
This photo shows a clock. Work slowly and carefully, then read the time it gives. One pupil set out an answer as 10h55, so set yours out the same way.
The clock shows 3h35
